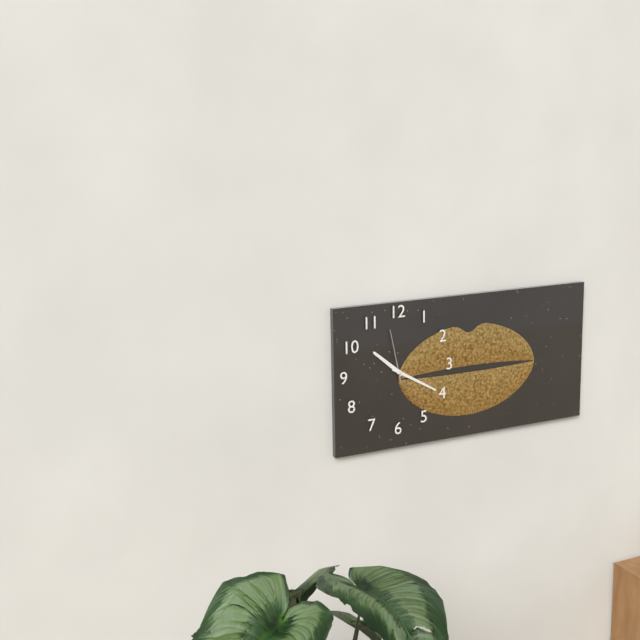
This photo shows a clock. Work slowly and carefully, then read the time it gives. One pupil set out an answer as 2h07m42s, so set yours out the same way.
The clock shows 10h20m58s
